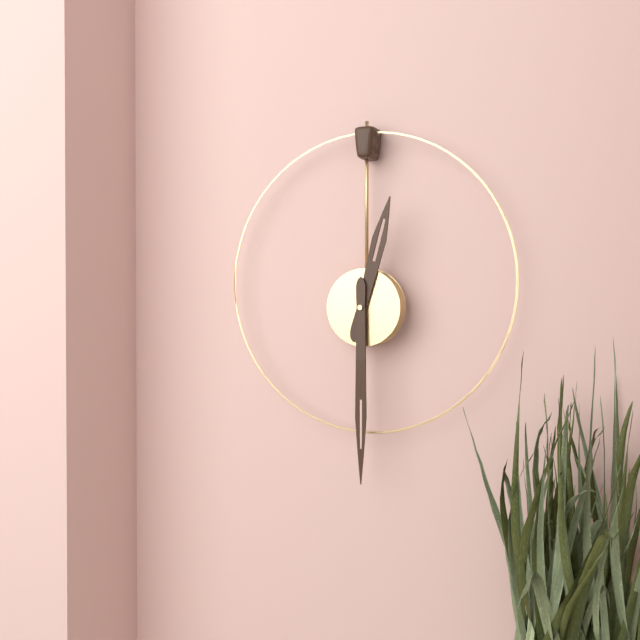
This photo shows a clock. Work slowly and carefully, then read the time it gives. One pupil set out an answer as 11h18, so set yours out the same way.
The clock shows 12h30
